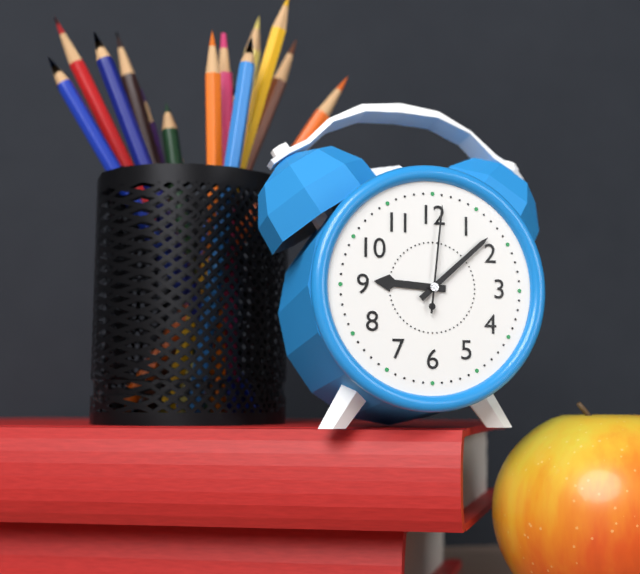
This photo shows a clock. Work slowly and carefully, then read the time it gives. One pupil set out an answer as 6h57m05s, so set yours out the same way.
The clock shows 9h08m01s
